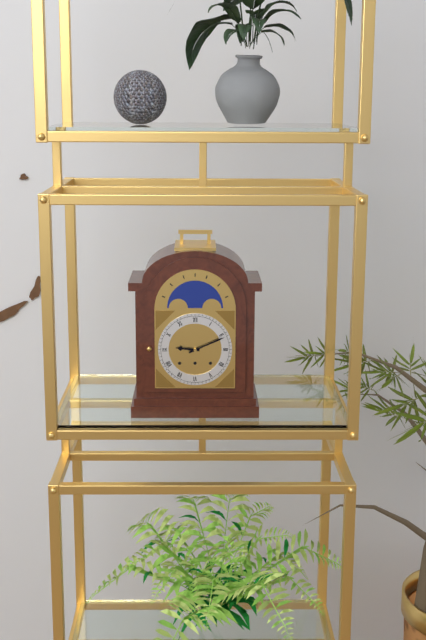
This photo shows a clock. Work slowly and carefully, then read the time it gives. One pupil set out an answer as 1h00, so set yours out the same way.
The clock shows 9h11
